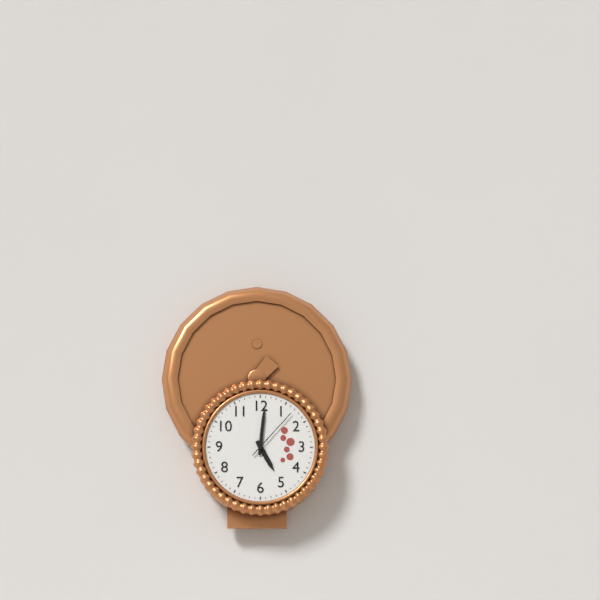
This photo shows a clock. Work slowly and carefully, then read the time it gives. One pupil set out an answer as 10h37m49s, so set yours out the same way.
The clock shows 5h01m07s
